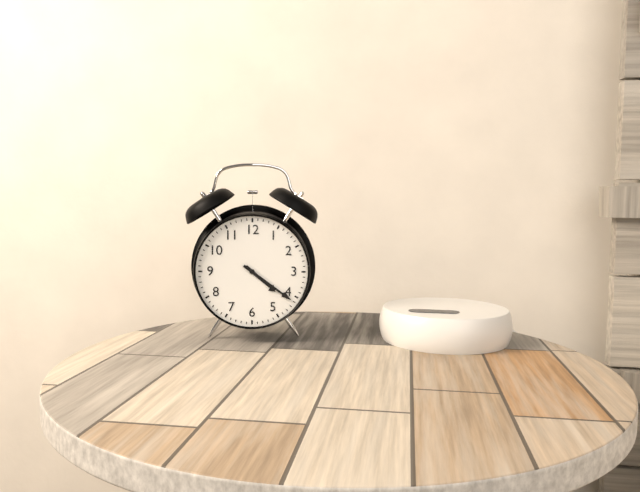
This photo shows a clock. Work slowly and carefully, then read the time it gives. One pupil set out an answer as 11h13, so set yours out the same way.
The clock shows 4h21
